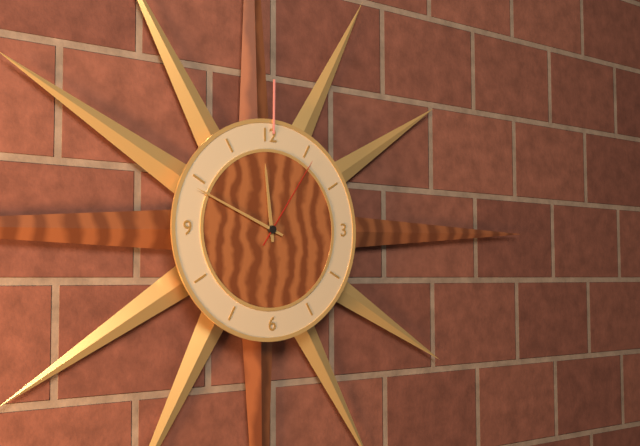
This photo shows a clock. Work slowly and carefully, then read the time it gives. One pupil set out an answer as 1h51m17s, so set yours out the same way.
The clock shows 11h49m06s
